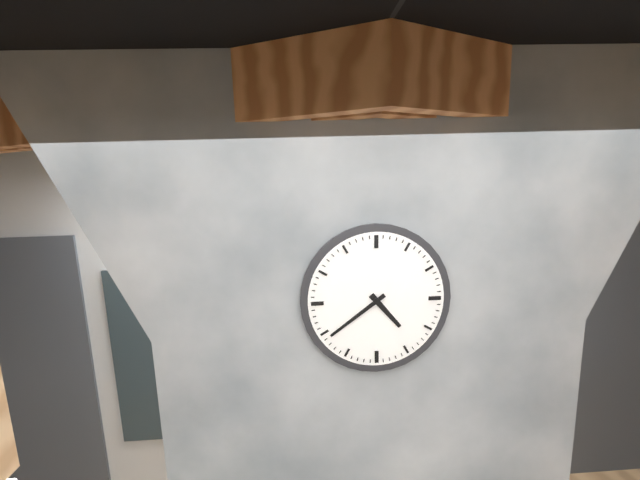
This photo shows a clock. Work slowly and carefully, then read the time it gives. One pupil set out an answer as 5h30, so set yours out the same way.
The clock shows 4h39
